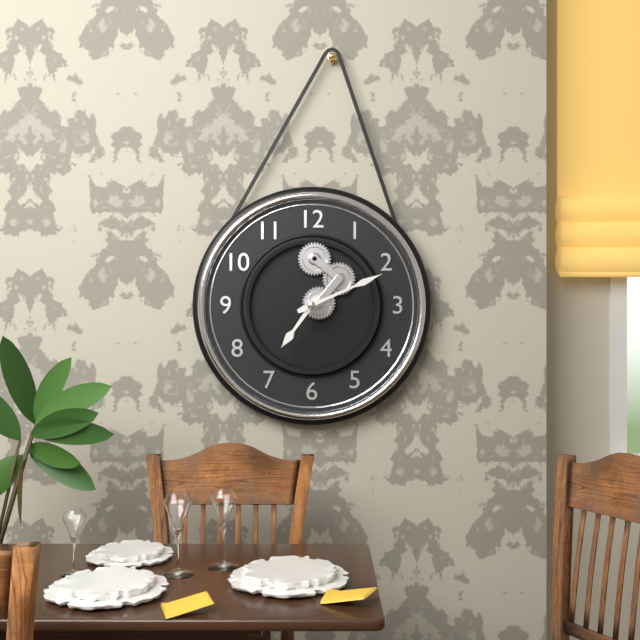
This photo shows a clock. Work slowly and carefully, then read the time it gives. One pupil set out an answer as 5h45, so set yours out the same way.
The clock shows 7h11
